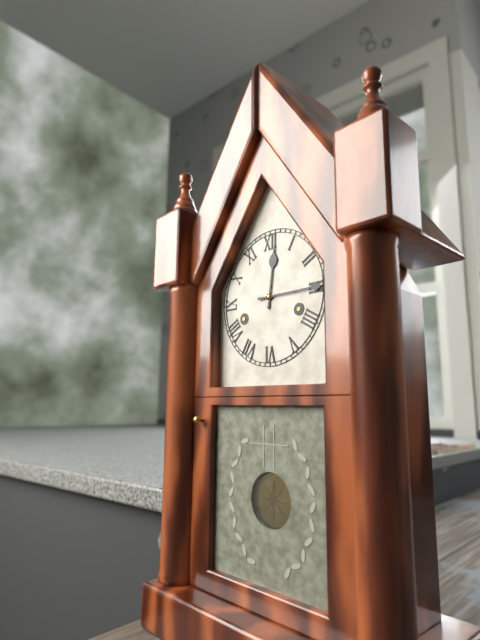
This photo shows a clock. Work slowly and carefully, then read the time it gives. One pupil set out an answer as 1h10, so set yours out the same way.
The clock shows 12h15
